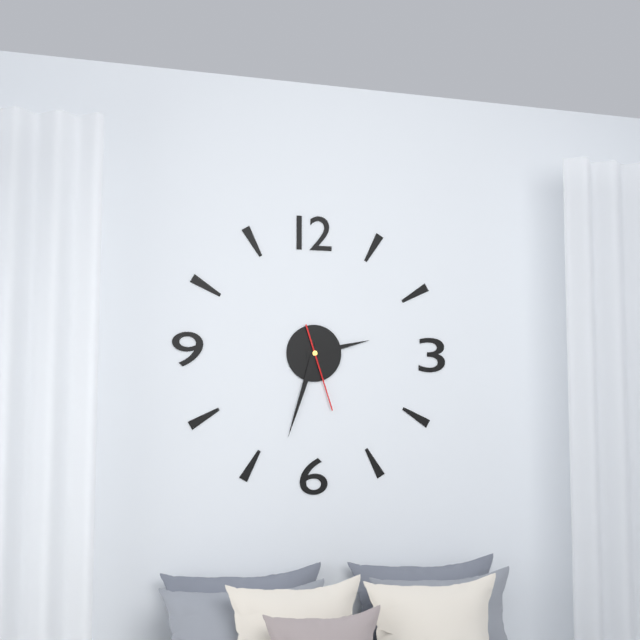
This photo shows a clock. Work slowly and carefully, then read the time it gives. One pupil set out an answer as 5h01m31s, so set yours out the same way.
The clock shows 2h33m27s
